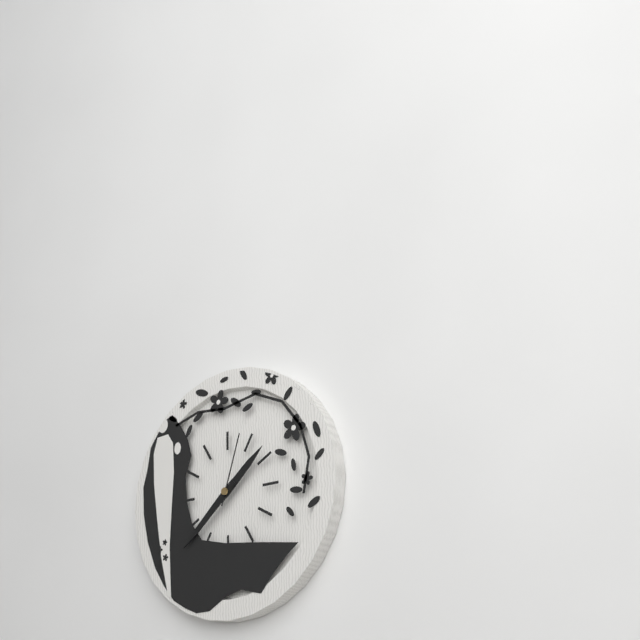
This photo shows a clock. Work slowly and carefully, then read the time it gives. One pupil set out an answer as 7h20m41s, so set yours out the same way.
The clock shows 1h38m03s
